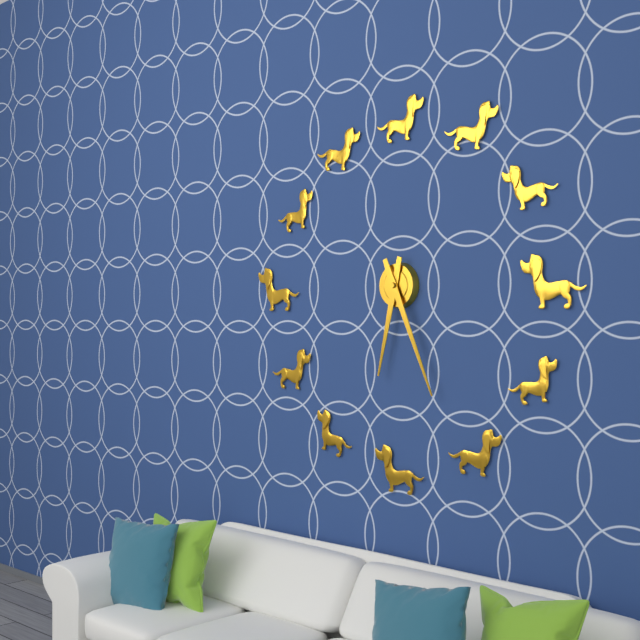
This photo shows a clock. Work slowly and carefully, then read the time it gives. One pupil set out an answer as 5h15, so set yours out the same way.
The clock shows 6h26
